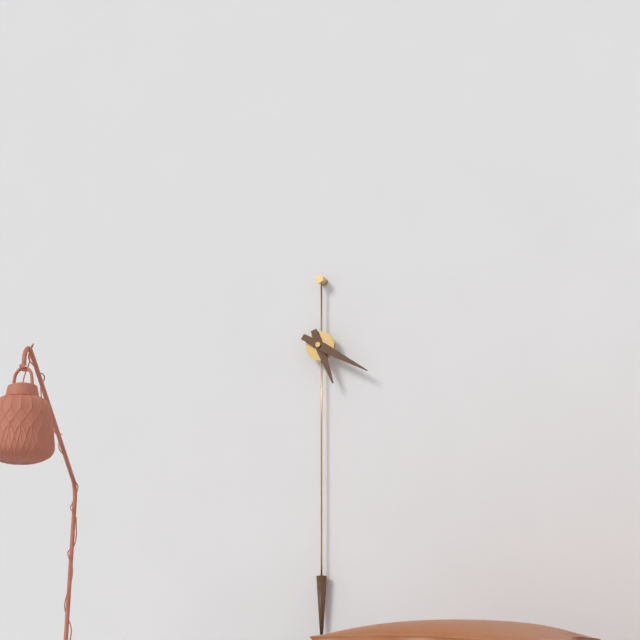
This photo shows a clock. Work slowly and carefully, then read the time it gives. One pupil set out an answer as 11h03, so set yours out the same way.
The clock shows 5h20
